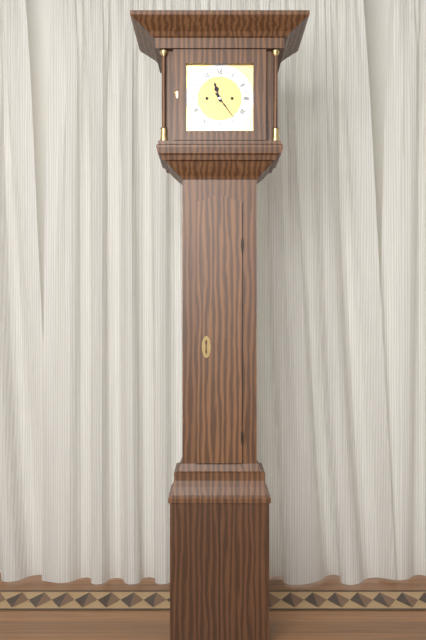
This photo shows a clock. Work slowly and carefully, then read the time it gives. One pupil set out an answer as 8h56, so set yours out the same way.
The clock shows 11h24
